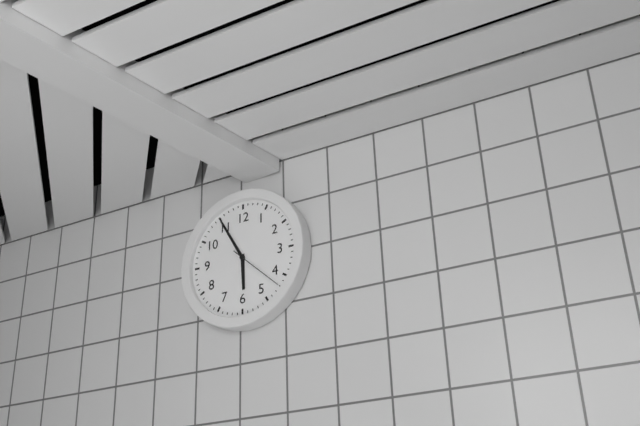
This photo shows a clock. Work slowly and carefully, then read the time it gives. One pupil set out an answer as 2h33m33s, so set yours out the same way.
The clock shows 5h55m22s
